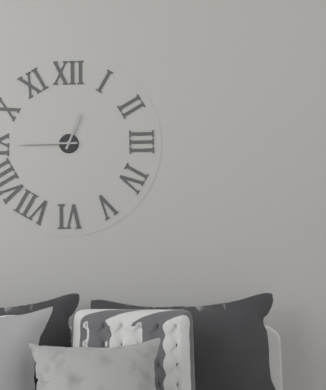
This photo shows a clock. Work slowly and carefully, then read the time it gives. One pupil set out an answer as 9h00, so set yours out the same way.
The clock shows 12h45
